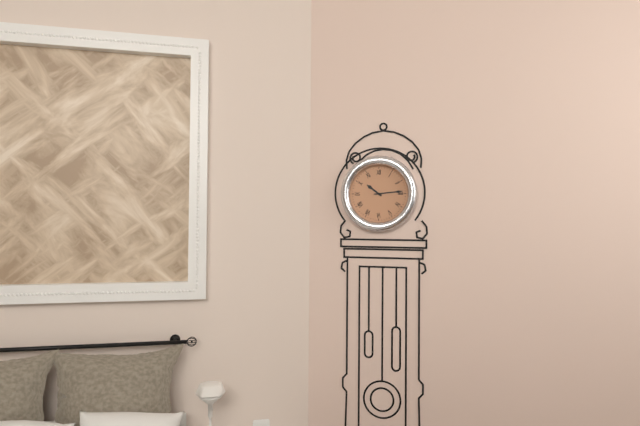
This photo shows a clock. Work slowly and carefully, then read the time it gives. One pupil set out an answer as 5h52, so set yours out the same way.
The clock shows 10h14
